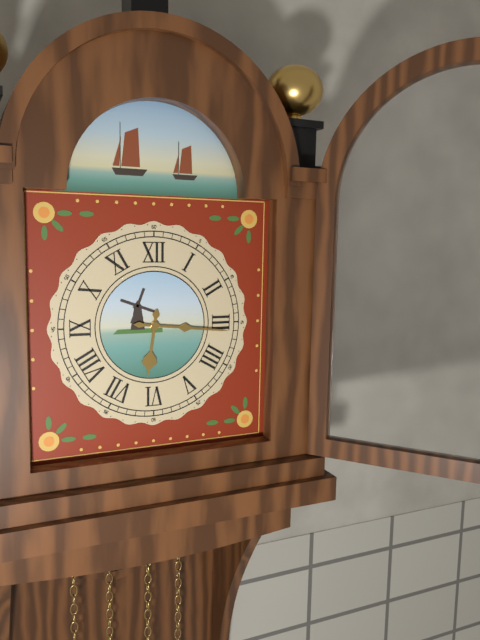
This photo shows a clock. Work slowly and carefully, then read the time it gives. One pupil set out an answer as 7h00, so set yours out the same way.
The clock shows 6h16
